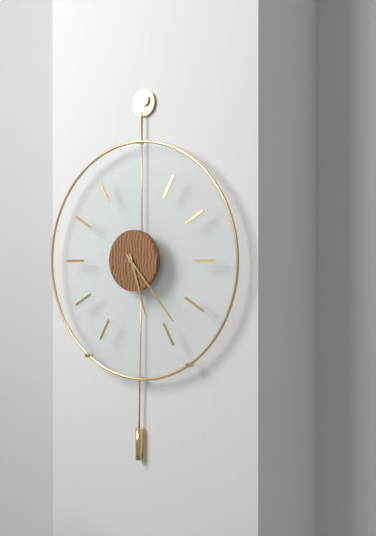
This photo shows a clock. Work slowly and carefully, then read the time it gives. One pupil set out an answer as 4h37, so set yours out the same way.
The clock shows 5h23
